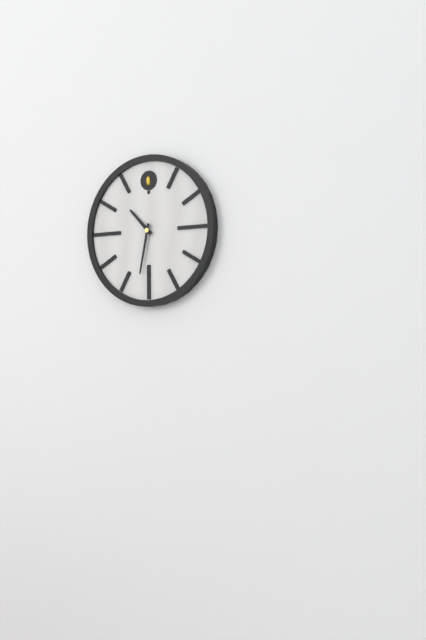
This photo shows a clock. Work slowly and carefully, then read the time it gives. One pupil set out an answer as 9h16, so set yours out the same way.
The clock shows 10h32
